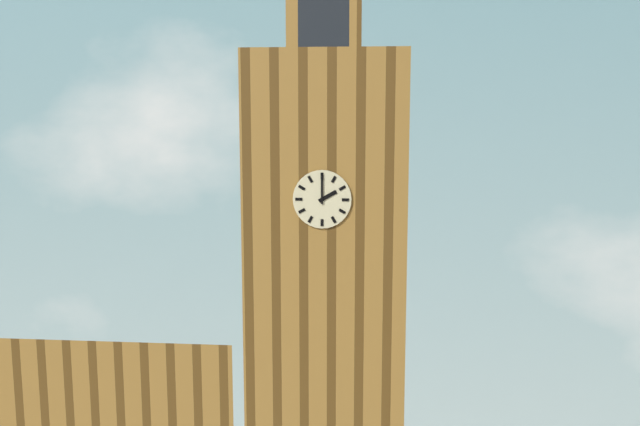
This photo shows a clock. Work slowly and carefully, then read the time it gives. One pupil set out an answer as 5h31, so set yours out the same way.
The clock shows 2h00
